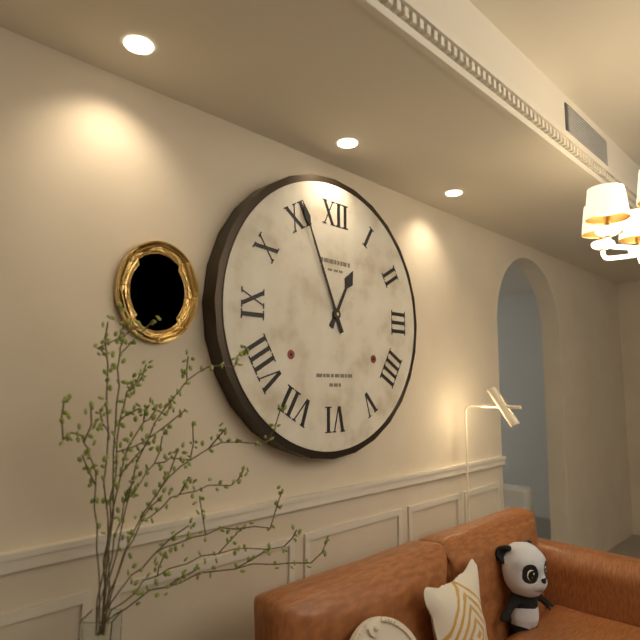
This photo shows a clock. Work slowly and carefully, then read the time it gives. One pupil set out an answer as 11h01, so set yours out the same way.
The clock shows 12h56
